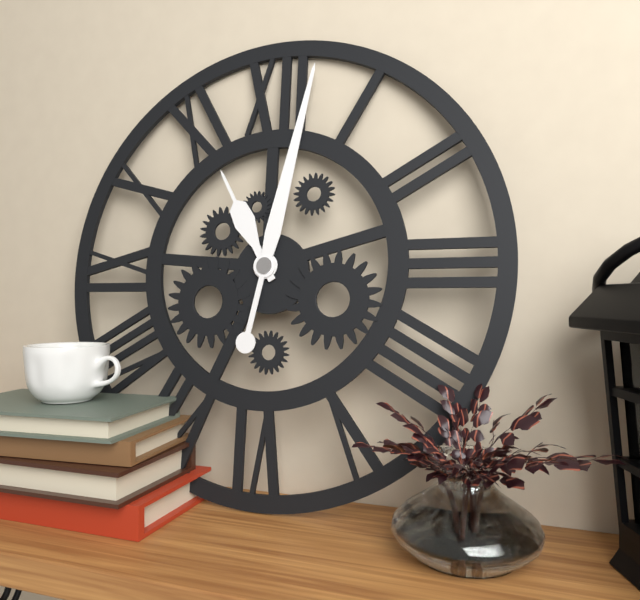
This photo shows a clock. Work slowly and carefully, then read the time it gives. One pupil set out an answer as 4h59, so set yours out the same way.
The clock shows 11h02
